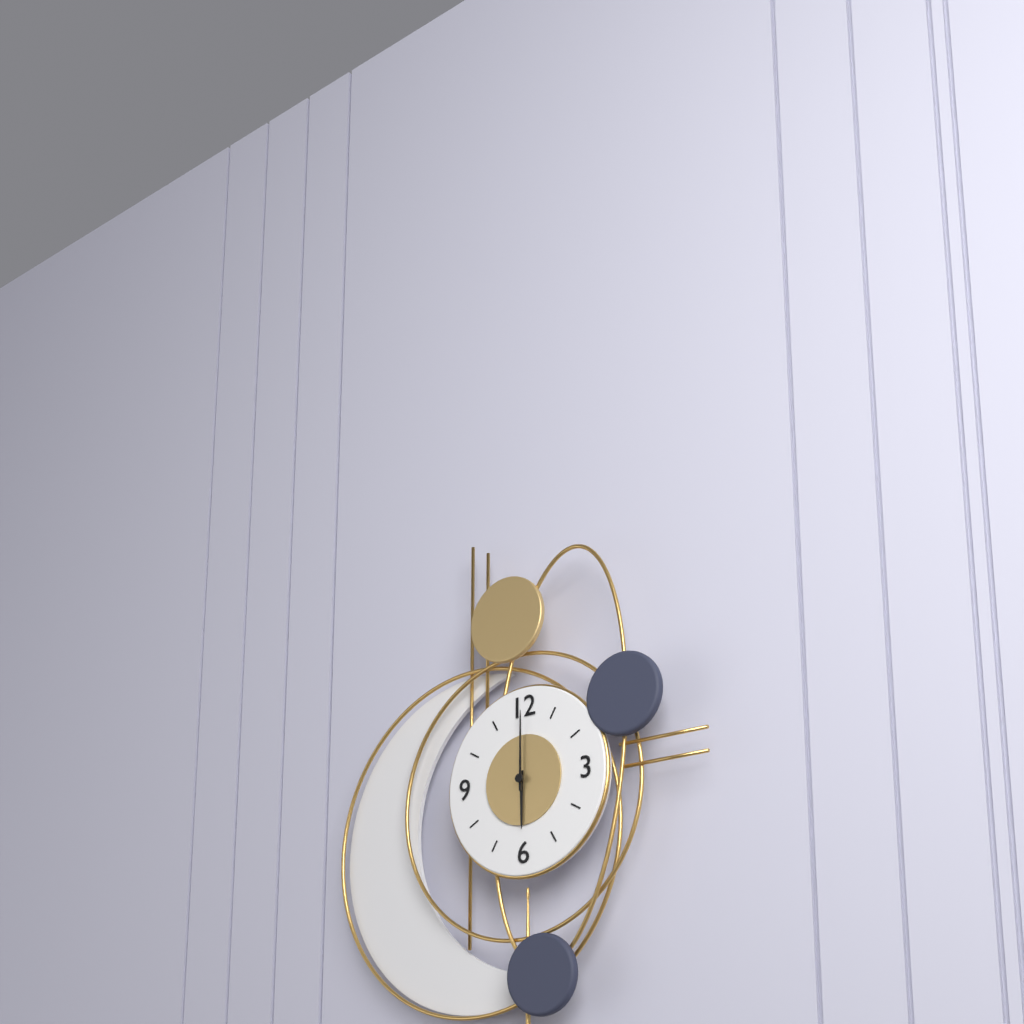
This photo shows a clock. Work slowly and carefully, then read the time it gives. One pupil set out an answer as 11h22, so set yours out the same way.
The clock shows 6h00
